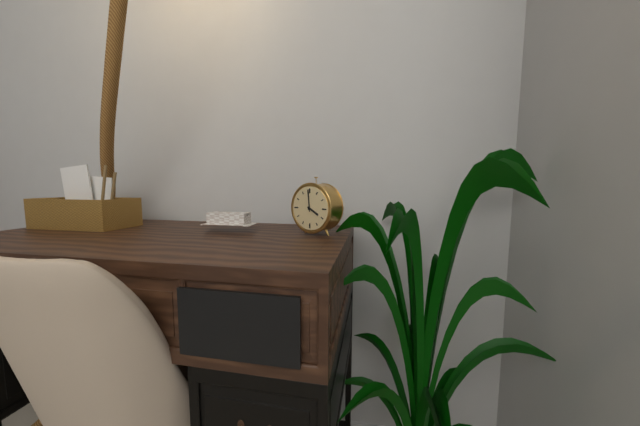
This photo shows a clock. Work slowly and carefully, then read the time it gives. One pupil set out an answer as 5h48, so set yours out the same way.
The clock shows 3h59
